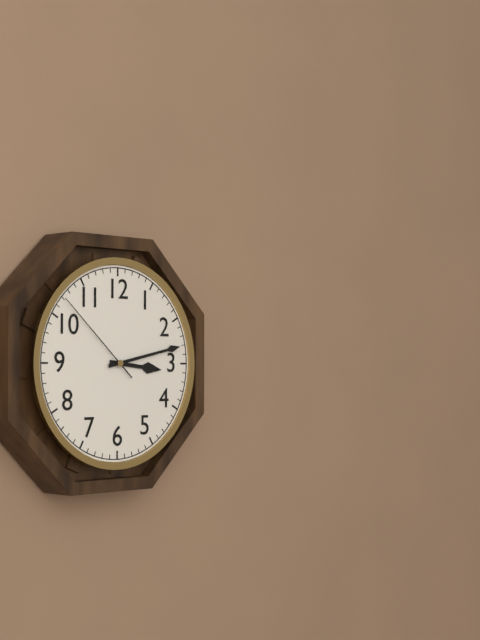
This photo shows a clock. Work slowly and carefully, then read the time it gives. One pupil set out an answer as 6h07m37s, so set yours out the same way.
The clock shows 3h13m52s
